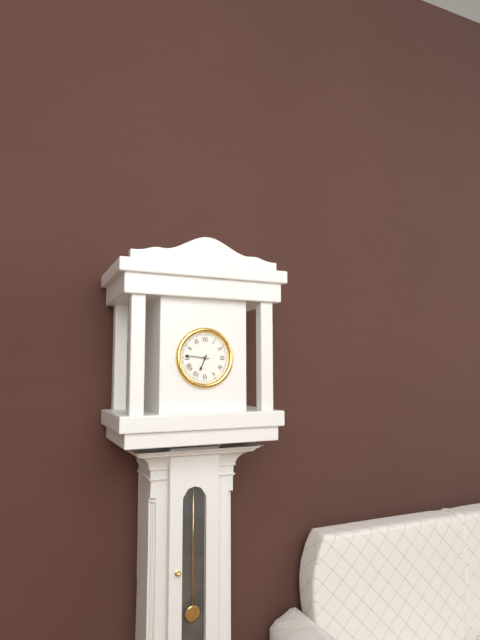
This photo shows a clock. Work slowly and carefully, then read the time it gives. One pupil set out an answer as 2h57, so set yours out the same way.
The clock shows 6h46
